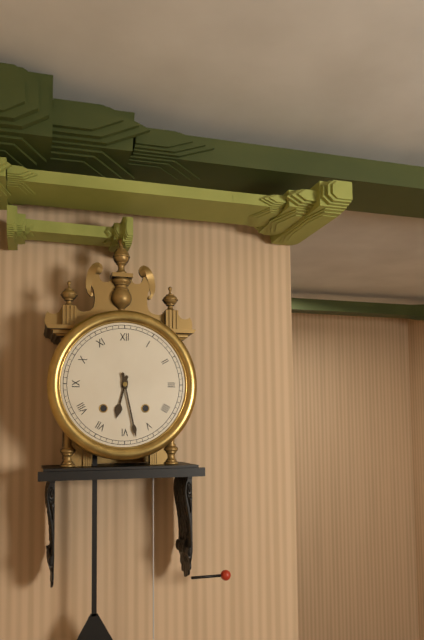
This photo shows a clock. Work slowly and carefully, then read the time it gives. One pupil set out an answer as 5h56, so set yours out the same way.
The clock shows 6h28
